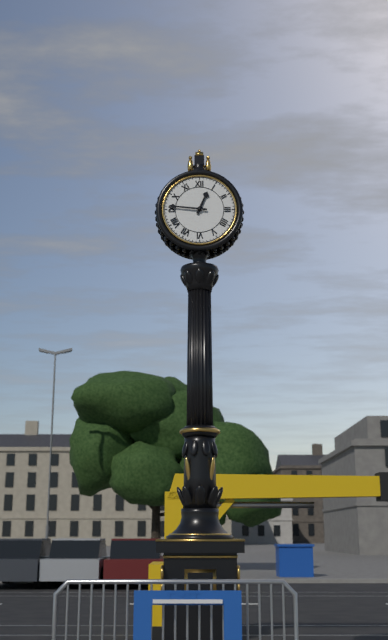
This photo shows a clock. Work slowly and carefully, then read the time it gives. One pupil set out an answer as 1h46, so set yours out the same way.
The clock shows 12h46
